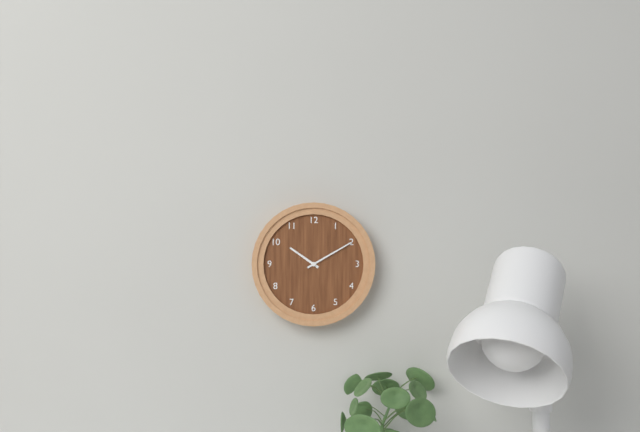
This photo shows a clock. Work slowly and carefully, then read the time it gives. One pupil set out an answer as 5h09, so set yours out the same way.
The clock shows 10h10
